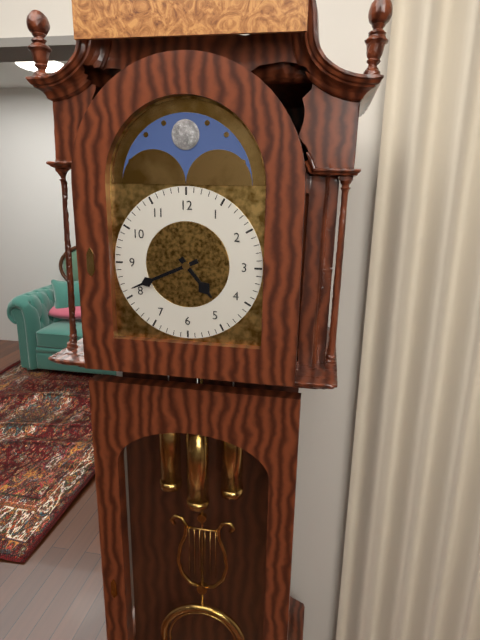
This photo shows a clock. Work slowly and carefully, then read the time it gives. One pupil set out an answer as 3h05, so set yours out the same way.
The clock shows 4h41
